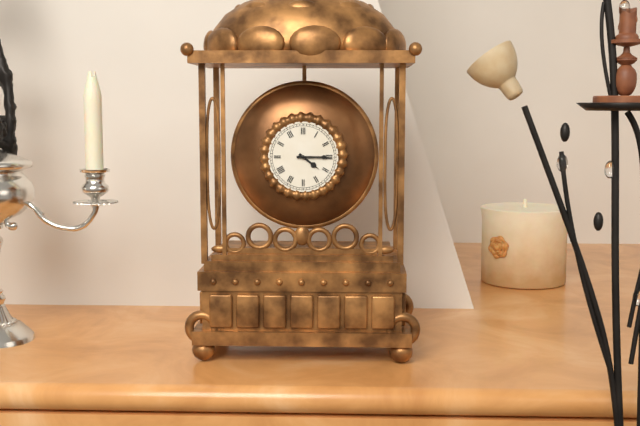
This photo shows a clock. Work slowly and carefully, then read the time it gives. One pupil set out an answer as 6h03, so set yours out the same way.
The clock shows 4h15
